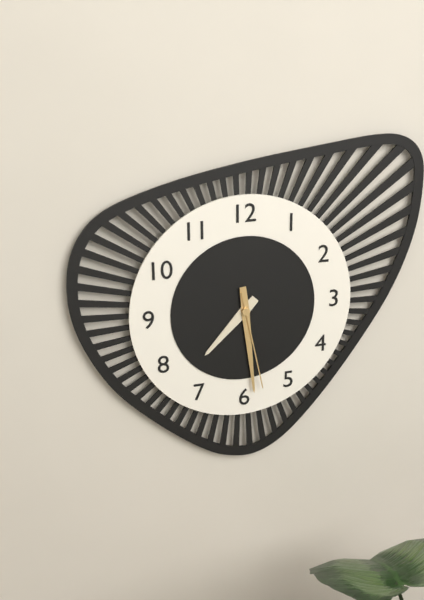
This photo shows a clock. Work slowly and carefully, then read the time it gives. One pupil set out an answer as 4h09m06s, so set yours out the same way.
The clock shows 7h29m28s
